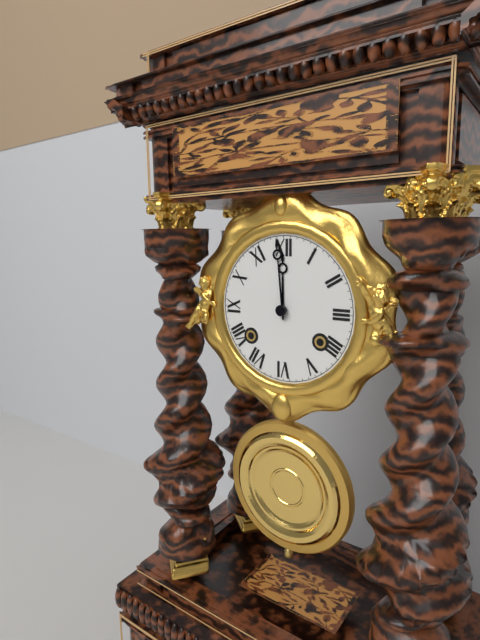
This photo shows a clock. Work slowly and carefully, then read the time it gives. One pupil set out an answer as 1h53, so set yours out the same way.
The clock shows 11h59
